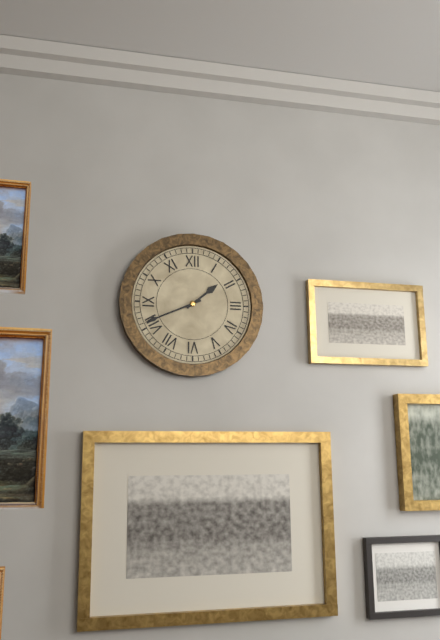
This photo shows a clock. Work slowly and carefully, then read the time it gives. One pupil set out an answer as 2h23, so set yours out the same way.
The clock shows 1h41
